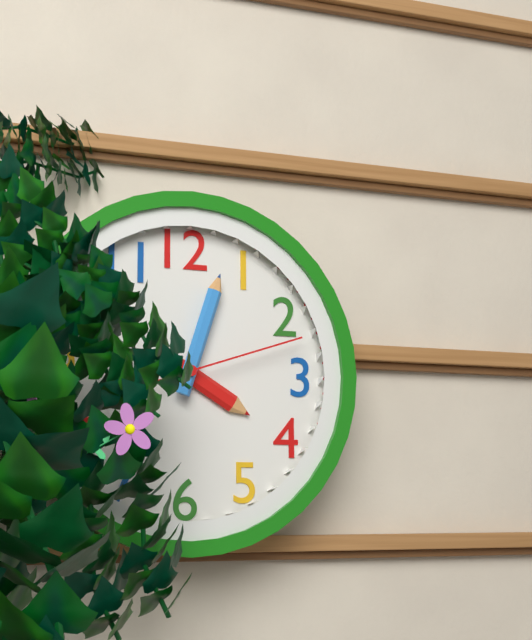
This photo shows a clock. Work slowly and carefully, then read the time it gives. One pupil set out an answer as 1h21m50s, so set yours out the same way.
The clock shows 4h03m12s
